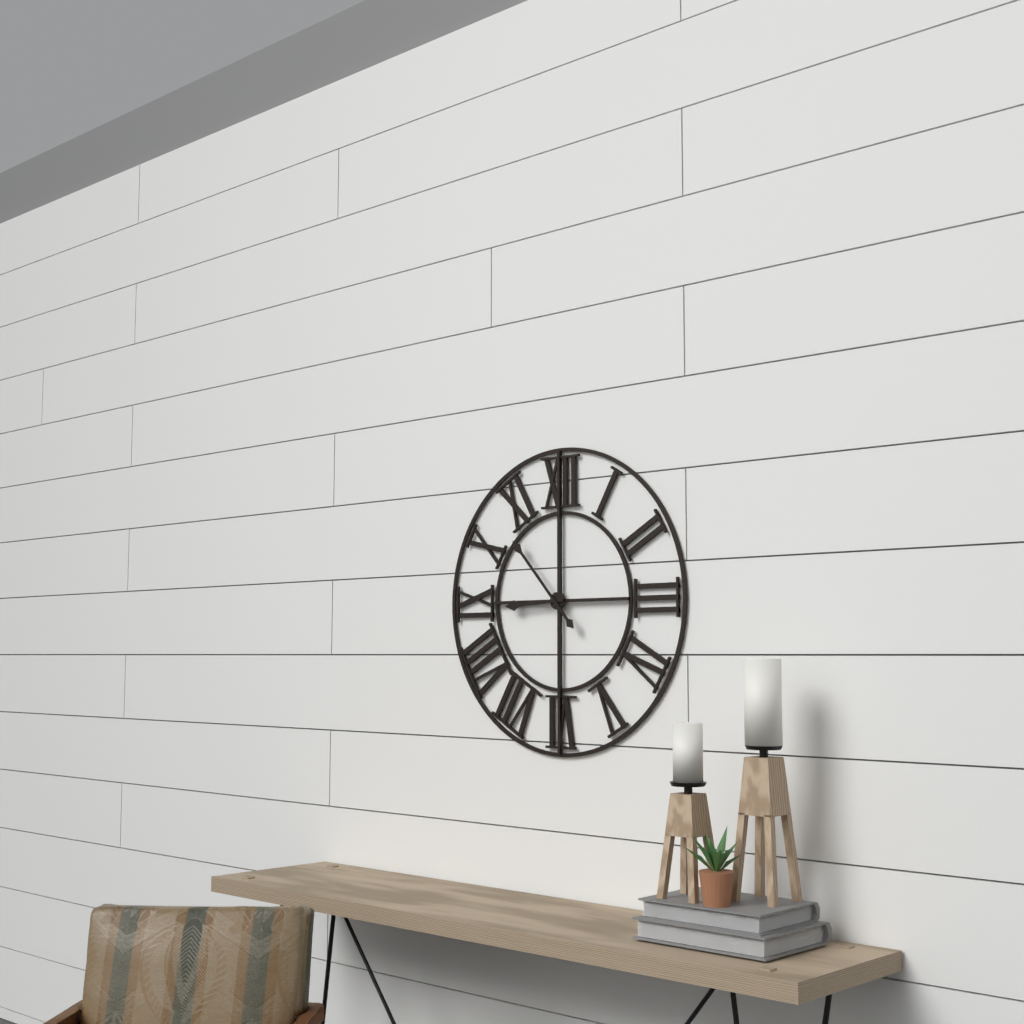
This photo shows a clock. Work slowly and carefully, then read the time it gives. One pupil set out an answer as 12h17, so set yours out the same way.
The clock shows 8h53
